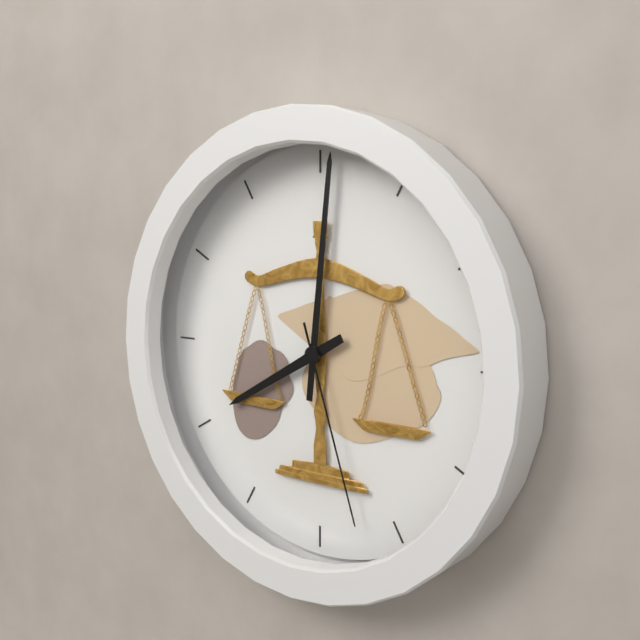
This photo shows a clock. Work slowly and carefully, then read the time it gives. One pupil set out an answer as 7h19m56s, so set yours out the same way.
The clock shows 8h01m27s
